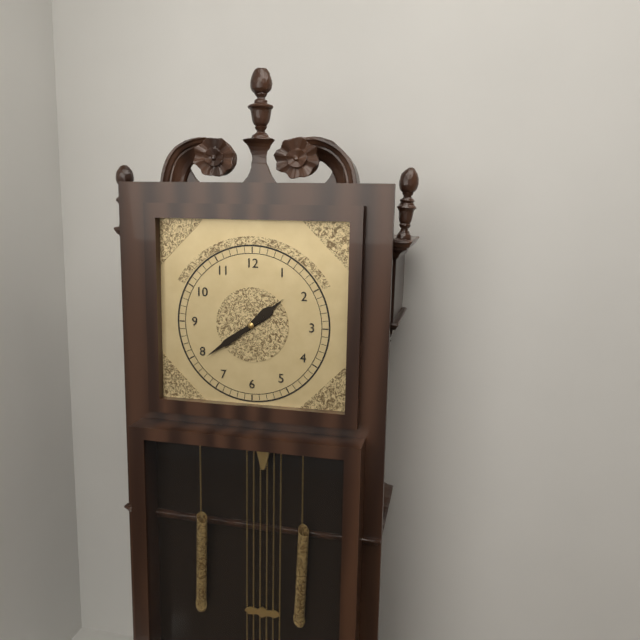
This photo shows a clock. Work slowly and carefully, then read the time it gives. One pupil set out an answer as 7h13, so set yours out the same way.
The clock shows 1h39
